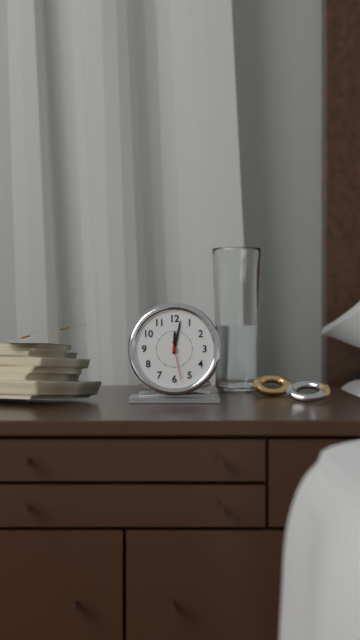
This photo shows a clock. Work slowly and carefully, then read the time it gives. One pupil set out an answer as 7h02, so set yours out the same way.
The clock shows 12h02
